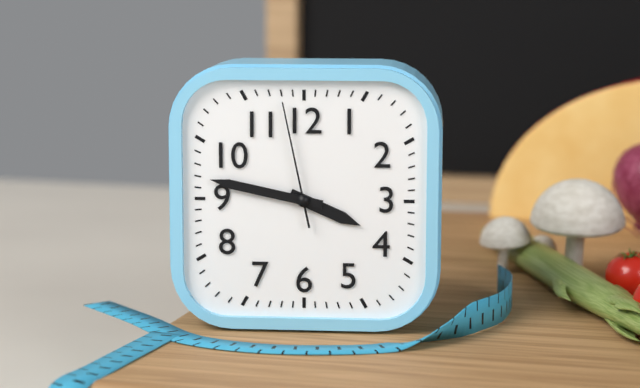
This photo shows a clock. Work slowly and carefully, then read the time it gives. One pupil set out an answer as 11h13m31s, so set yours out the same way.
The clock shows 3h47m58s
